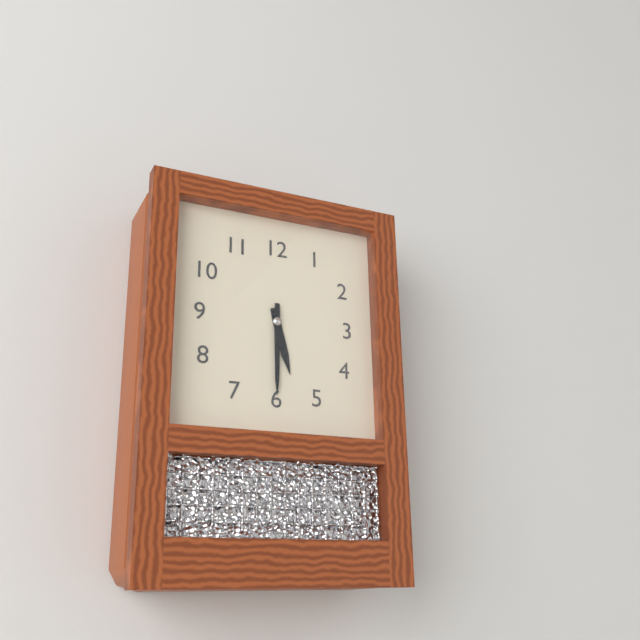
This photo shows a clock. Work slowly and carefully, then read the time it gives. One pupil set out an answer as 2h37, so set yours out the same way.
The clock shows 5h30
